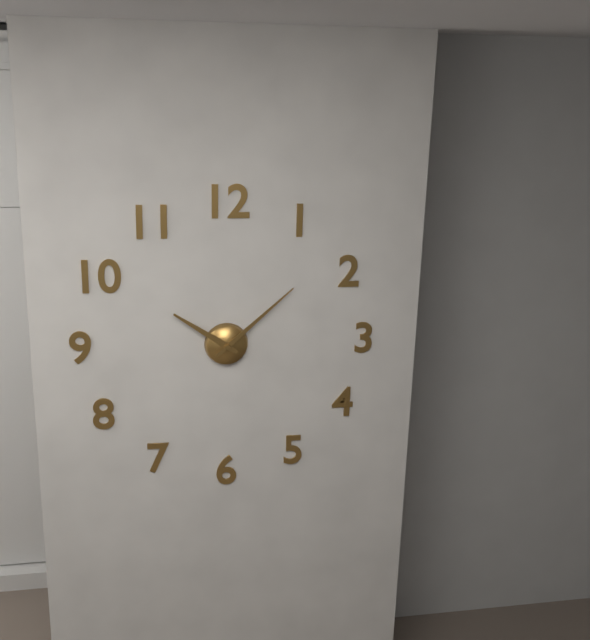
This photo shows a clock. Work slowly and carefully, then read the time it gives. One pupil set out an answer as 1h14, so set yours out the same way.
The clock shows 10h08
